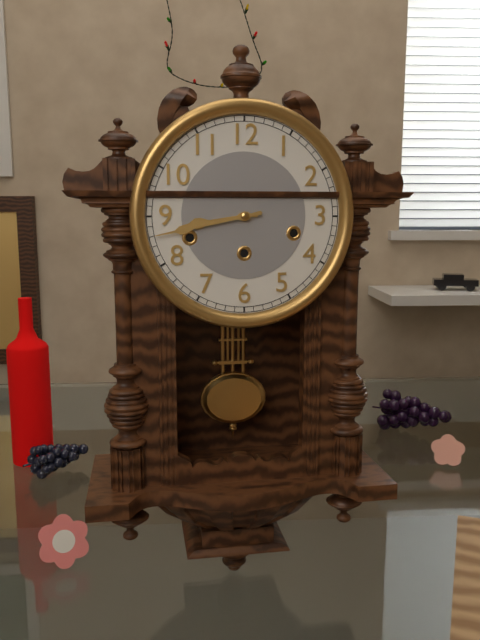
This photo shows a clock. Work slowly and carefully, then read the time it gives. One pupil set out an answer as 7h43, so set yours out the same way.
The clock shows 8h43
